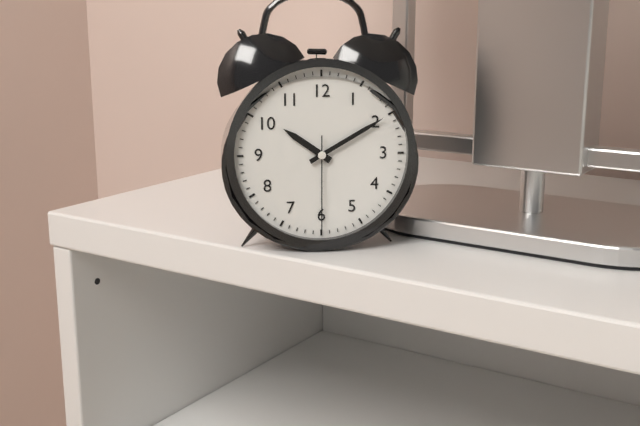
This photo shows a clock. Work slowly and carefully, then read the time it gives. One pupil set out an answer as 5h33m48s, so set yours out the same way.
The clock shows 10h10m30s
